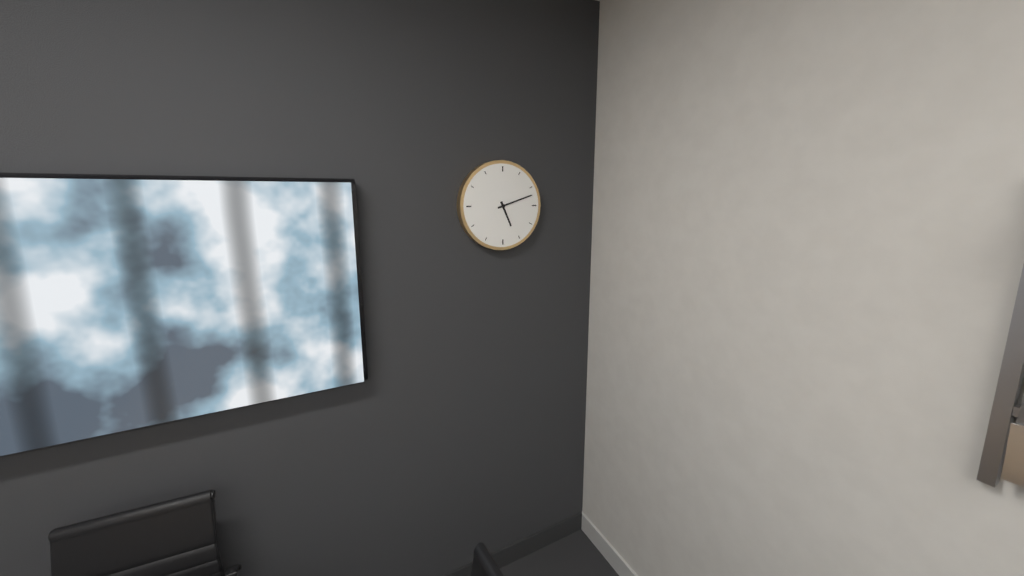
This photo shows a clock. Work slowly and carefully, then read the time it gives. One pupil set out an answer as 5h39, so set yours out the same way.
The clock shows 5h12
